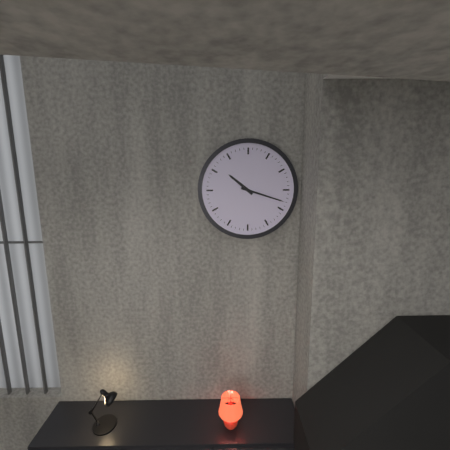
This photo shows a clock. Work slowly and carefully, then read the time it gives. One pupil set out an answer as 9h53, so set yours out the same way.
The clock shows 10h18
